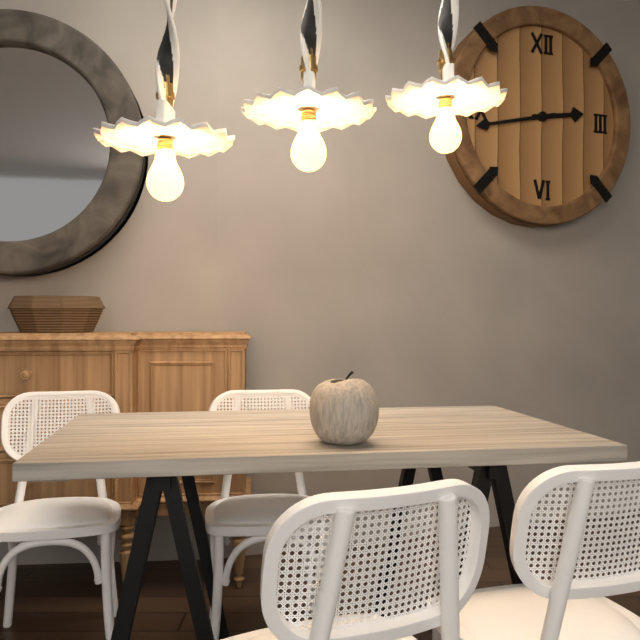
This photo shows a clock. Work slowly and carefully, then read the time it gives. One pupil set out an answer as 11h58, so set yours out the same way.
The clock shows 2h43
